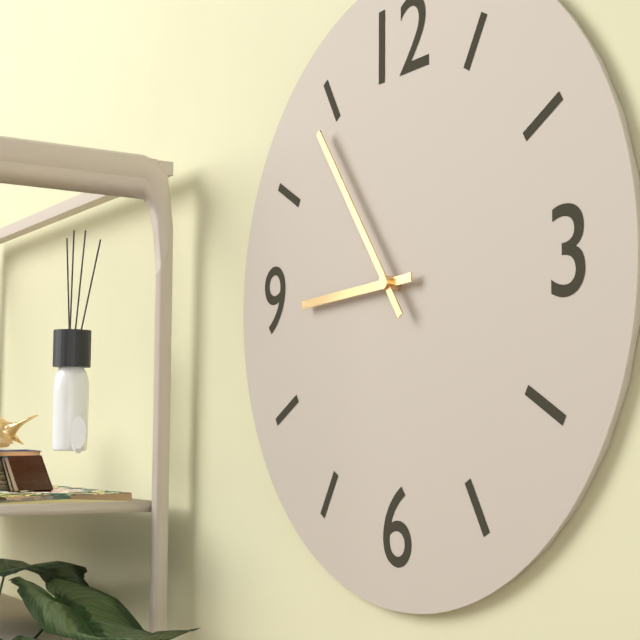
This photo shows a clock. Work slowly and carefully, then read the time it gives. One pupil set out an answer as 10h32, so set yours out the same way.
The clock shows 8h54
